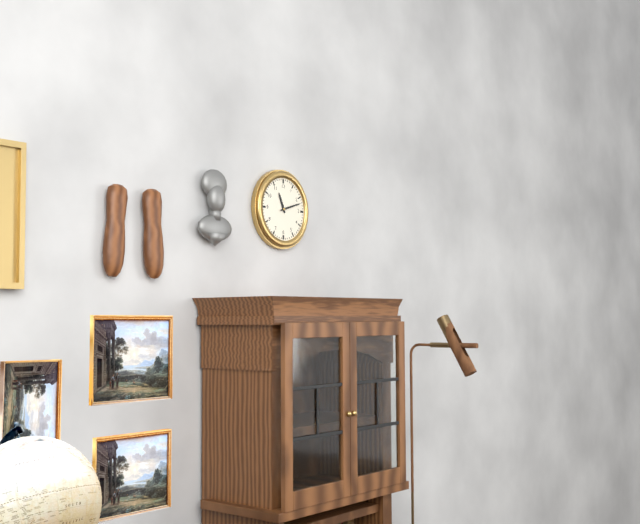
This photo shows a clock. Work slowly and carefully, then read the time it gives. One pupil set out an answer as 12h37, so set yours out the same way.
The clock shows 11h12
